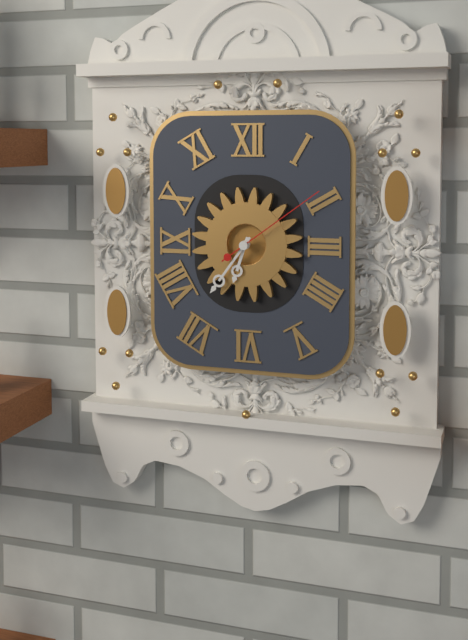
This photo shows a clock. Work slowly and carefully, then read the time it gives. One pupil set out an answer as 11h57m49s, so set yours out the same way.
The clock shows 6h36m09s
